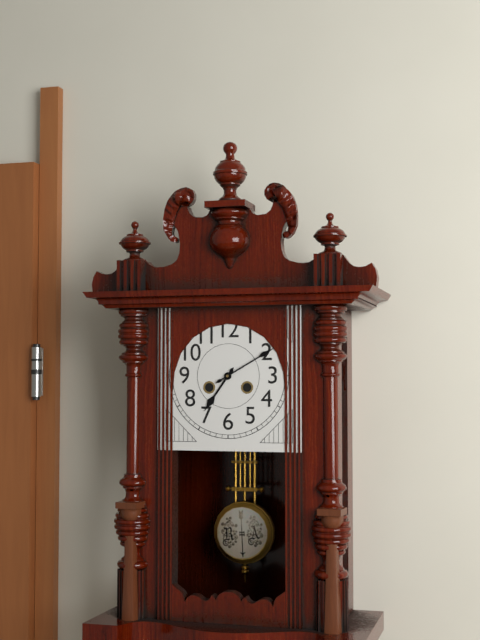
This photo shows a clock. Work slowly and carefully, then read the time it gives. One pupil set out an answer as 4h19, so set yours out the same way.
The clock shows 7h10
